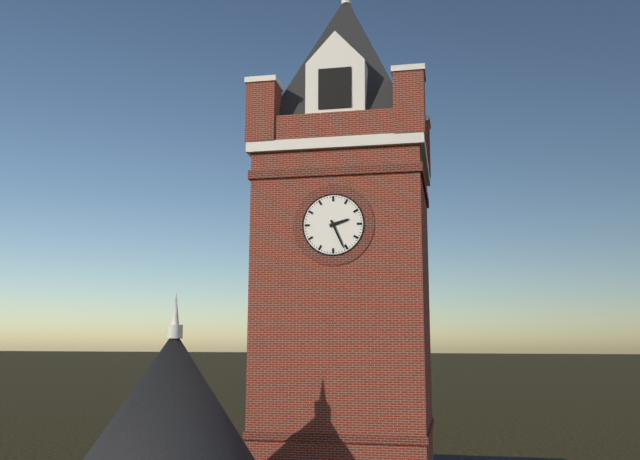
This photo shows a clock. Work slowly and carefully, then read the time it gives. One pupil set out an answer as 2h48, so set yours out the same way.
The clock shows 2h26
